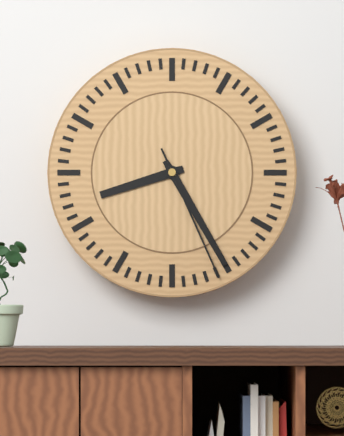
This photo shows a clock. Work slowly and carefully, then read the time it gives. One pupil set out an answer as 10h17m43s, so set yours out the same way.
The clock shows 8h25m26s
